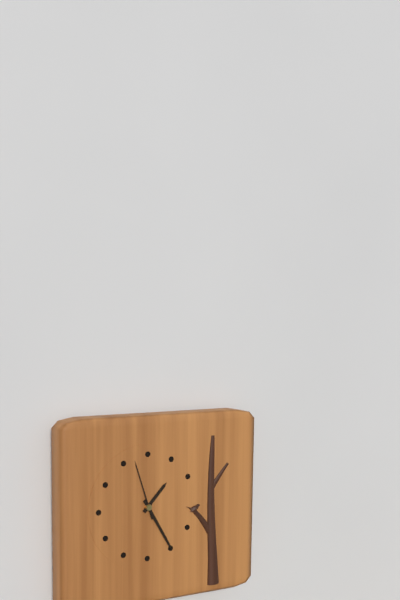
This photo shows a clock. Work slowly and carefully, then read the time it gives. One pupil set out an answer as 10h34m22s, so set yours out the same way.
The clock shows 1h25m57s
